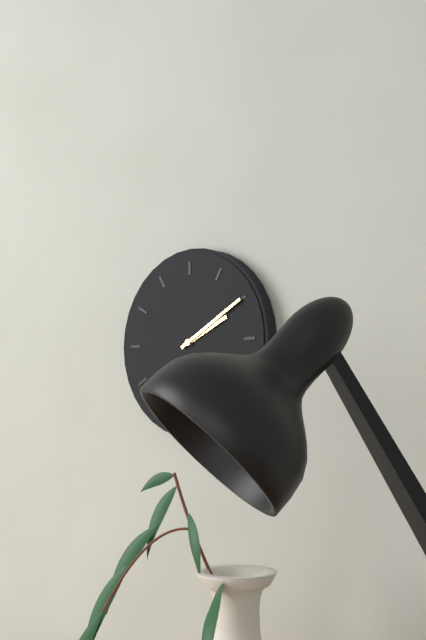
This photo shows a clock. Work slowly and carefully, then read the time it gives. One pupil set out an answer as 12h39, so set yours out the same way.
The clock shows 2h10
